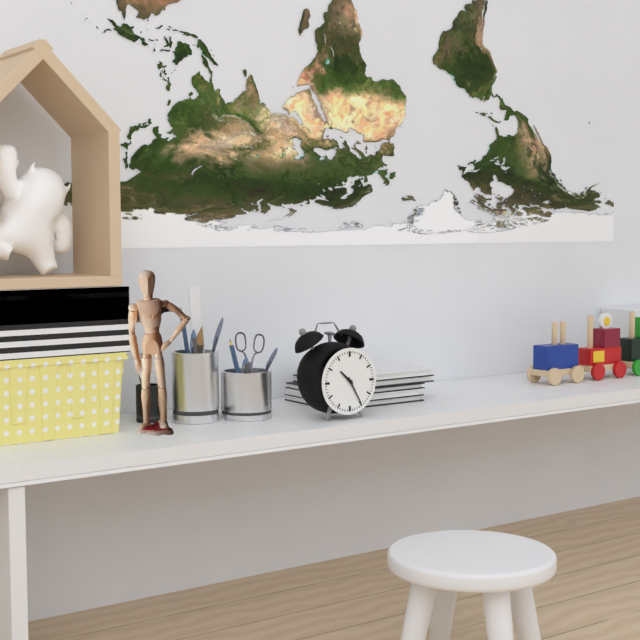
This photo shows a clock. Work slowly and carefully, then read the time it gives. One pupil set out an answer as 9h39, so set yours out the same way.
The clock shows 10h25
